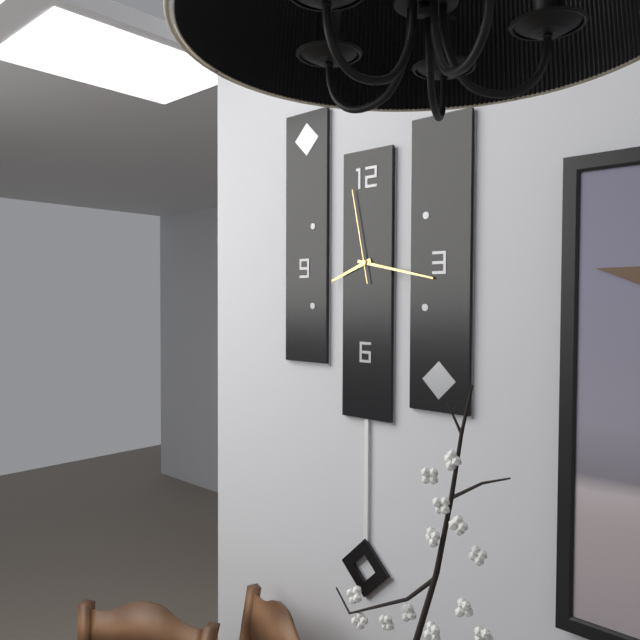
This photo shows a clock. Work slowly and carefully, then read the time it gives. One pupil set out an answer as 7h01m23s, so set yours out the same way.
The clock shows 8h17m58s
